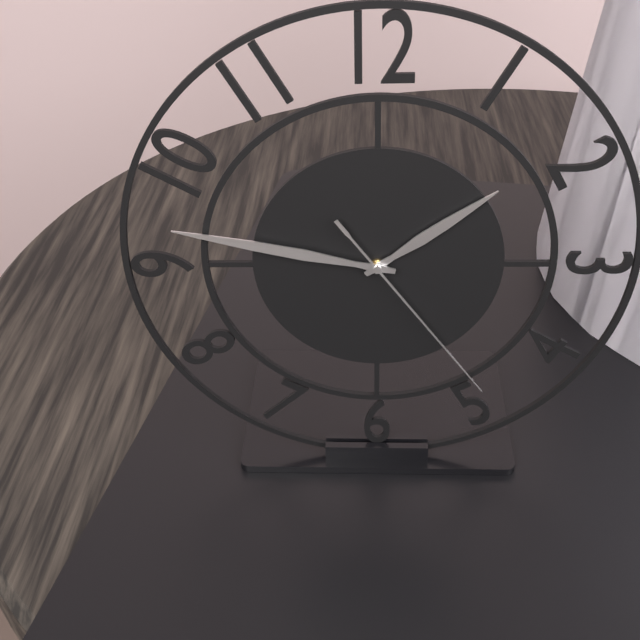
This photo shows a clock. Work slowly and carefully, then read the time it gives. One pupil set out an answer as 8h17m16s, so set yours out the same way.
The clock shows 1h47m24s
